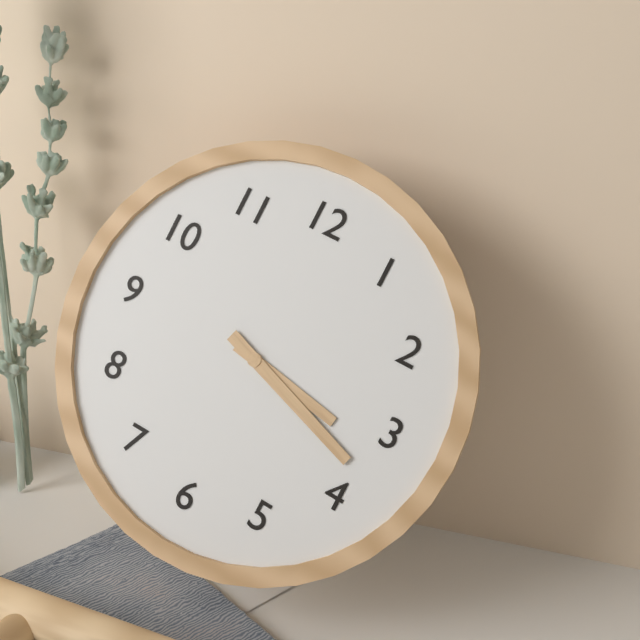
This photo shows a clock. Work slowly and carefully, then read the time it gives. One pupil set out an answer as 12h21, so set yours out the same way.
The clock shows 3h18
